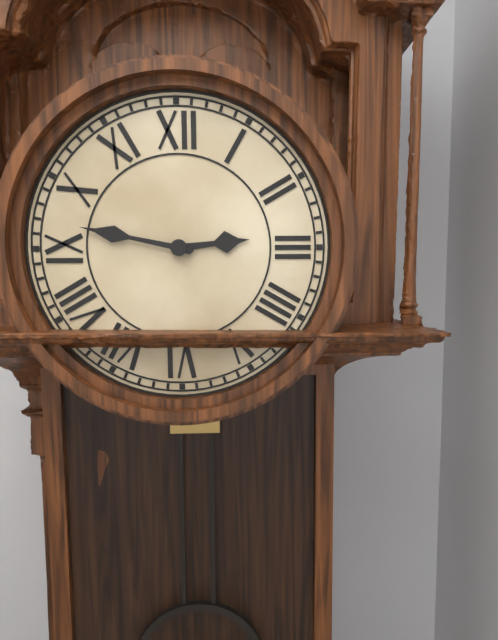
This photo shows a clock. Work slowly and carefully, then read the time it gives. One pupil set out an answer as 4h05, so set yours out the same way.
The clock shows 2h47
